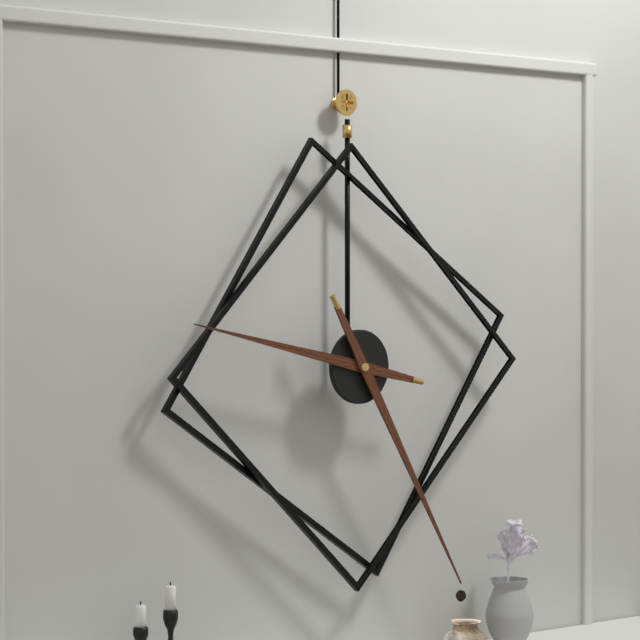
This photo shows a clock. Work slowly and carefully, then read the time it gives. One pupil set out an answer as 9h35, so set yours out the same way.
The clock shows 9h25
